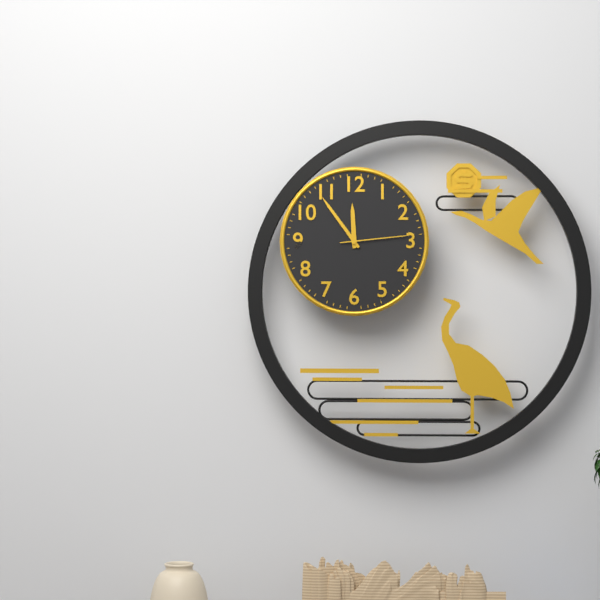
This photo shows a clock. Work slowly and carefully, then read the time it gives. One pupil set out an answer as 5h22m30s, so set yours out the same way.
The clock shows 11h54m14s
